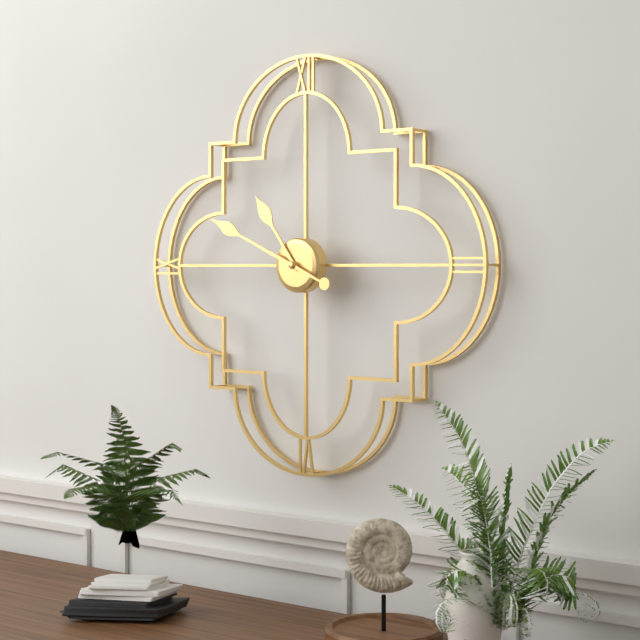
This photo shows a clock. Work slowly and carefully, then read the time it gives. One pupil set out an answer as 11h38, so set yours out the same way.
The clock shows 10h49
